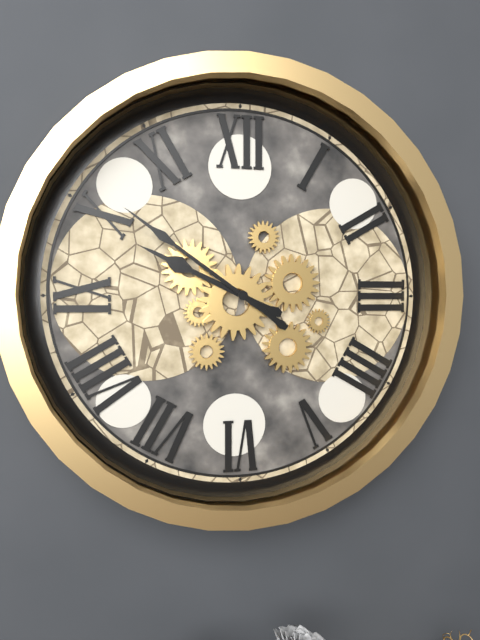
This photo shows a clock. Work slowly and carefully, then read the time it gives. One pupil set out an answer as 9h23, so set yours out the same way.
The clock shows 9h51
